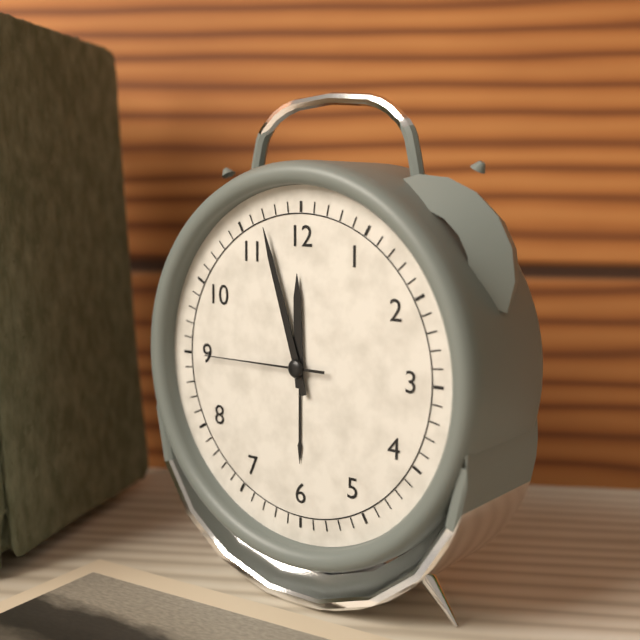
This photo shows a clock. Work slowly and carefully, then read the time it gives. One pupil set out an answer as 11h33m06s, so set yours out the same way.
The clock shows 11h57m45s
